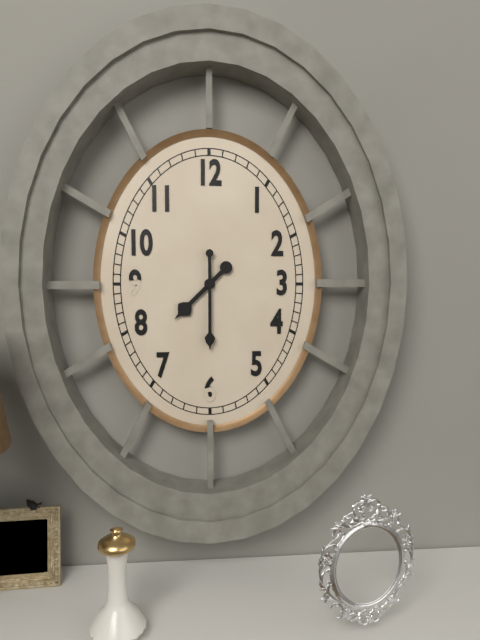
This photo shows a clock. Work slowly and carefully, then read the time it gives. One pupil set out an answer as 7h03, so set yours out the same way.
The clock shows 7h30
